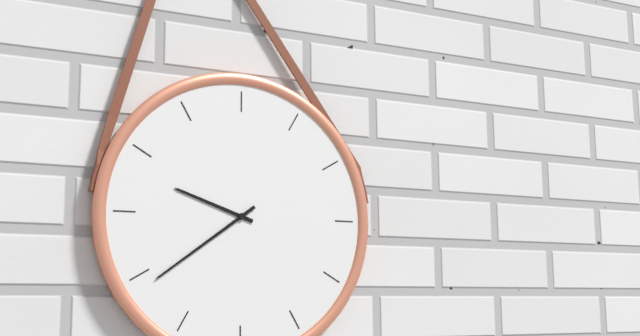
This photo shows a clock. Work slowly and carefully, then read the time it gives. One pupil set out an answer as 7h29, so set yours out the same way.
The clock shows 9h39
